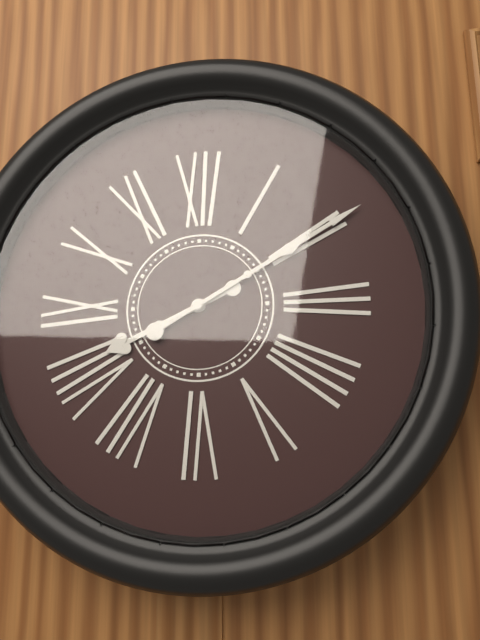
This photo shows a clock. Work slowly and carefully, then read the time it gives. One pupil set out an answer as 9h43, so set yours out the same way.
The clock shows 8h10
